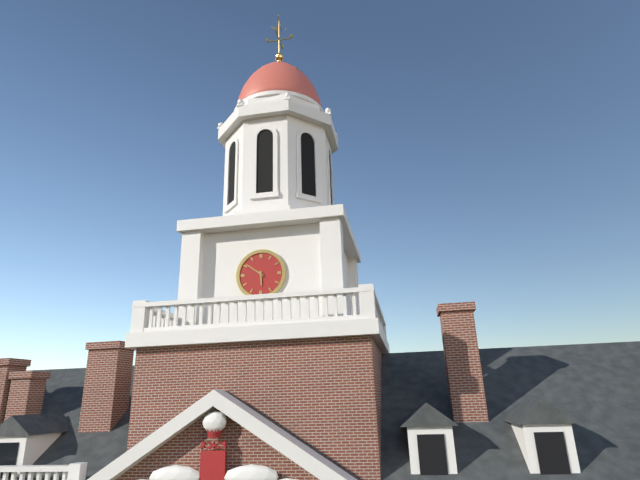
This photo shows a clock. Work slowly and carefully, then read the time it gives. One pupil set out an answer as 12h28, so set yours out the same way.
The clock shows 5h51
